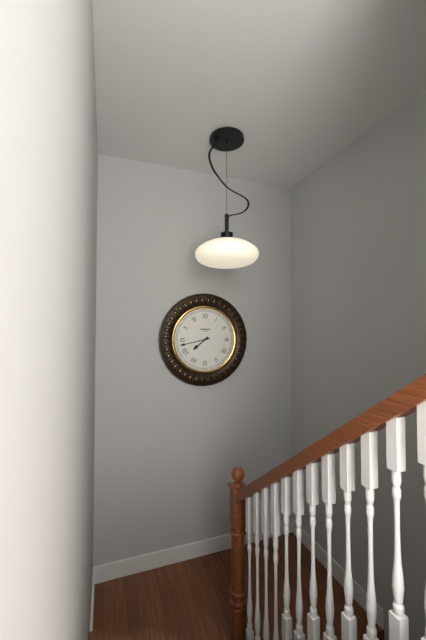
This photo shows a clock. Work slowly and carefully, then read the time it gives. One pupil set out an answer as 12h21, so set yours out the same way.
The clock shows 7h43
